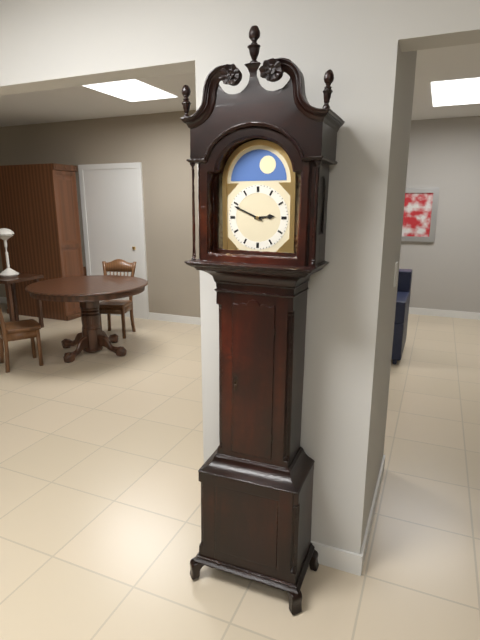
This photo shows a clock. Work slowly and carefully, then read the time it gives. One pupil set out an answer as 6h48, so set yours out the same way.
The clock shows 2h49
